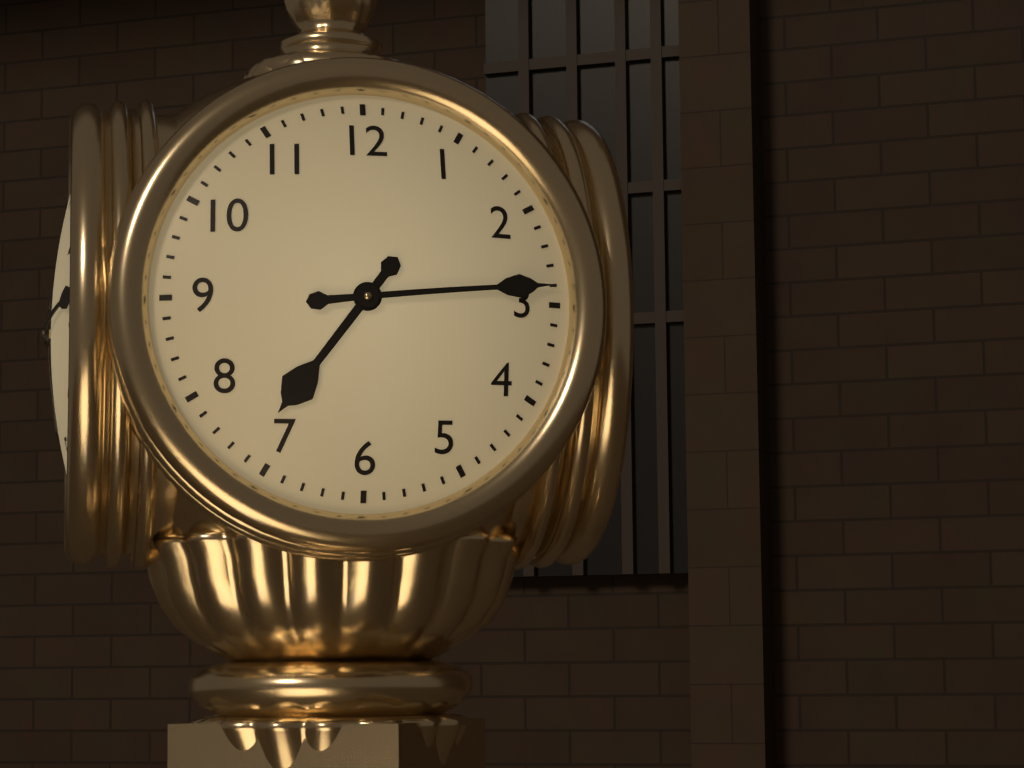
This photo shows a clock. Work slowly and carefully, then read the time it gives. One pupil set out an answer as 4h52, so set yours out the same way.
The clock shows 7h14
